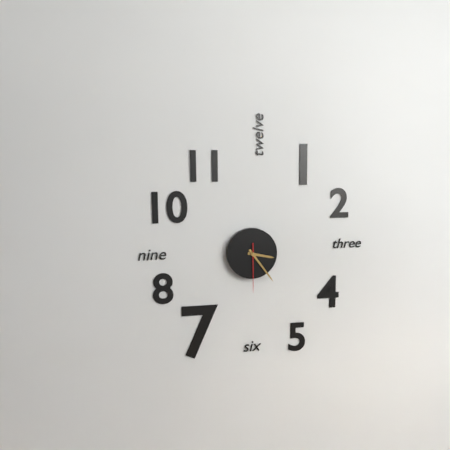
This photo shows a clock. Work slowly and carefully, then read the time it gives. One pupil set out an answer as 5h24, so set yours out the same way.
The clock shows 3h24
